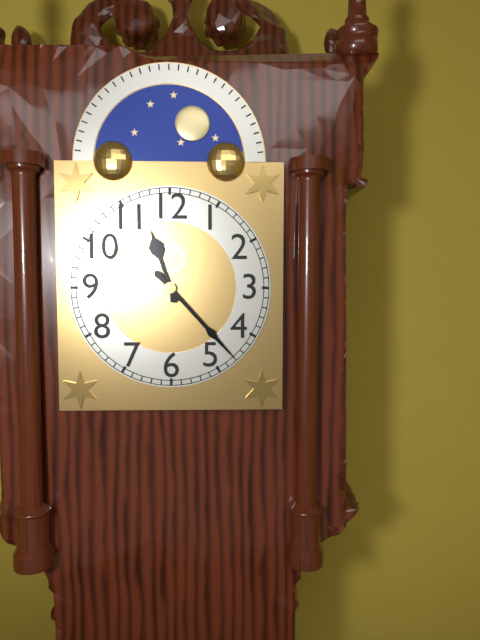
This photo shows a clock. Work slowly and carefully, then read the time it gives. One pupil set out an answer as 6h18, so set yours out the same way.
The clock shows 11h23
